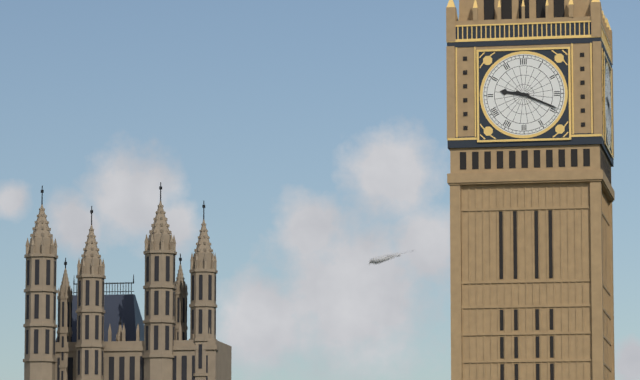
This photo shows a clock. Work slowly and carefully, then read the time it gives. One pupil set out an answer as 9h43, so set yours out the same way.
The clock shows 9h19
